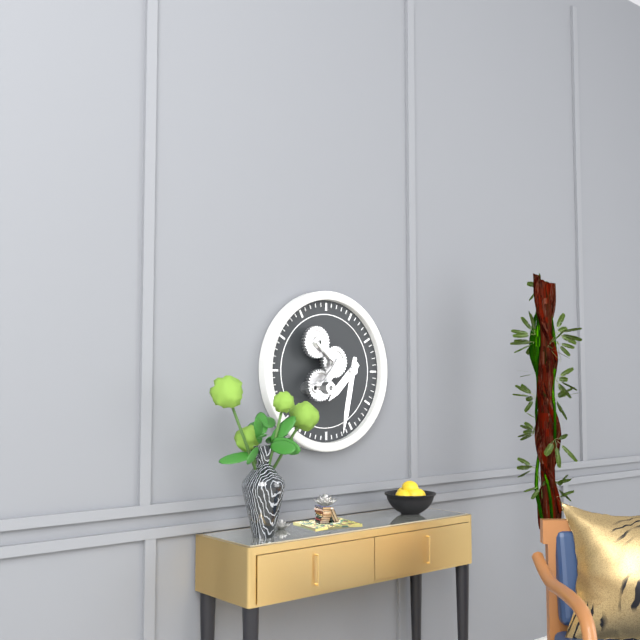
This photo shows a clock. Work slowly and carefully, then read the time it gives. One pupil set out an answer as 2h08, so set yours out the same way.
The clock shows 7h32
